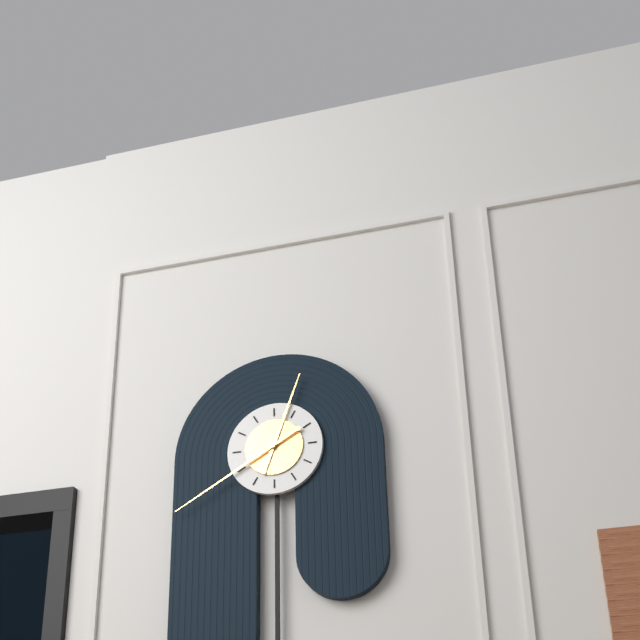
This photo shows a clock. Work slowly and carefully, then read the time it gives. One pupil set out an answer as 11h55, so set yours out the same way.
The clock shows 12h40
